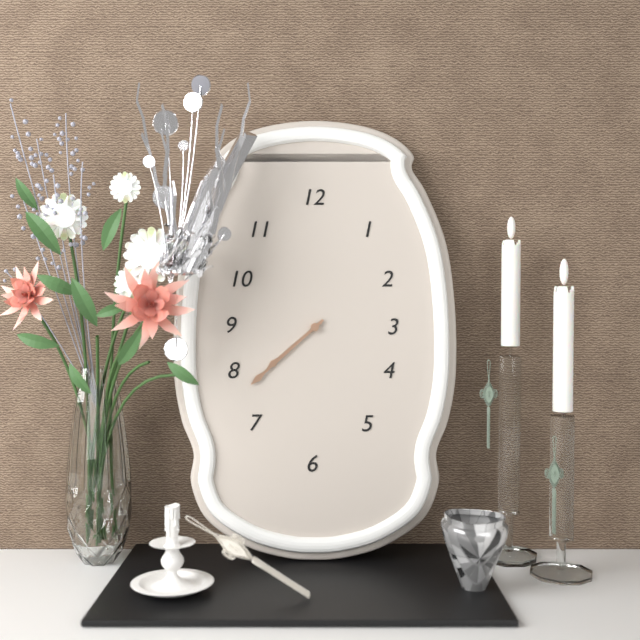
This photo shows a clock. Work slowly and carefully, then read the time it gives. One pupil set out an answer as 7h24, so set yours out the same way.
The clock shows 7h38
